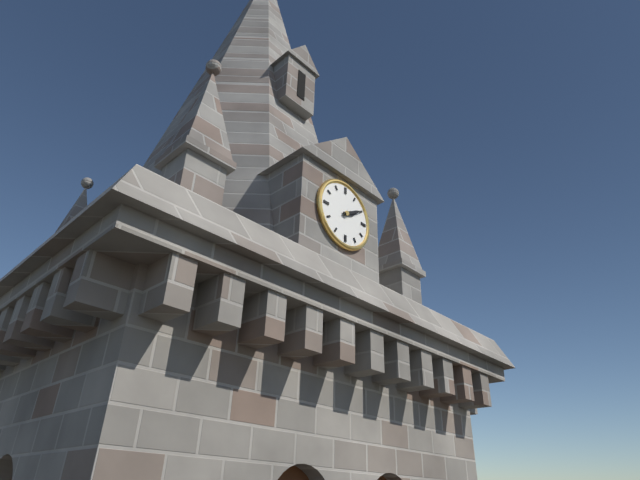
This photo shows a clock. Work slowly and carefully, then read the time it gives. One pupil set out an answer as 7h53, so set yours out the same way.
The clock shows 2h10
